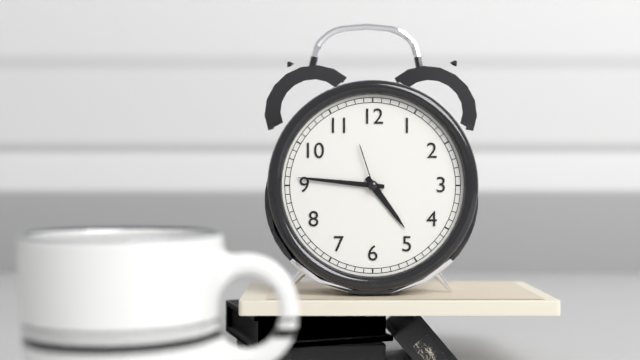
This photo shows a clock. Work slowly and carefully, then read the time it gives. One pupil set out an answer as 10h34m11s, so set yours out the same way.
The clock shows 4h46m57s
